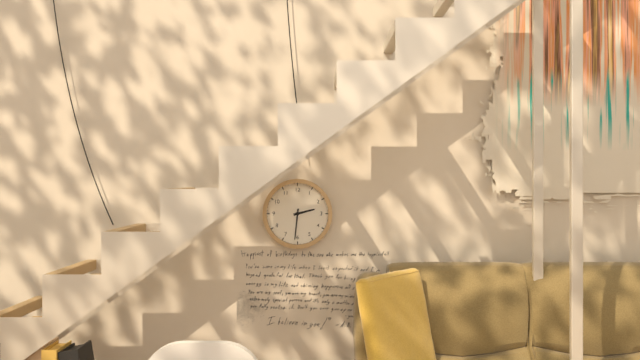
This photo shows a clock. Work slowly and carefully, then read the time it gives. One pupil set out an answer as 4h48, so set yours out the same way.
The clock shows 2h31
